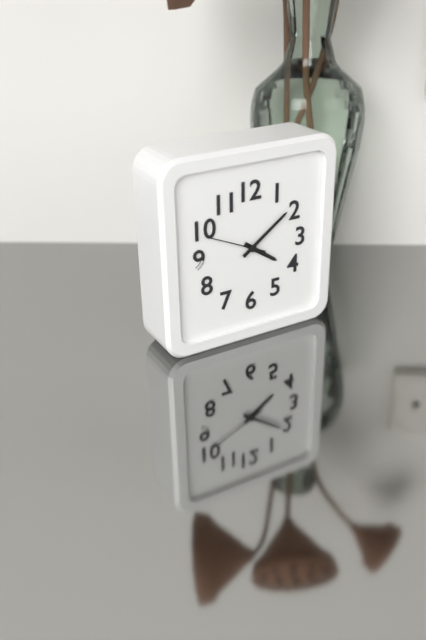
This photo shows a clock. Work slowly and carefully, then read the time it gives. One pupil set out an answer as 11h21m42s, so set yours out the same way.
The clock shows 4h09m49s
